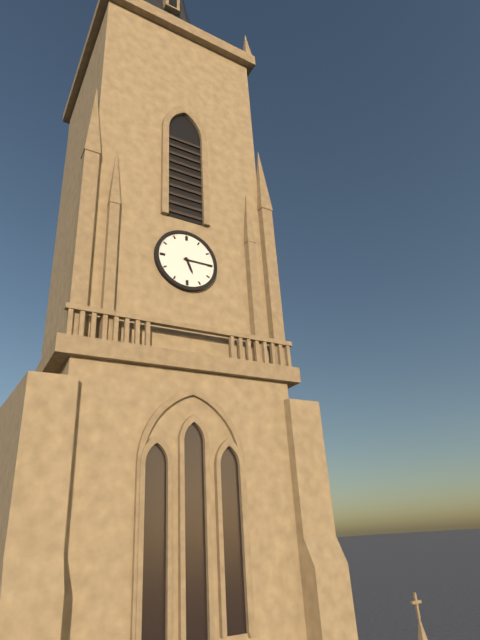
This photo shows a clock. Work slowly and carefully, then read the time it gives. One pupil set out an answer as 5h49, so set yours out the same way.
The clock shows 5h15
